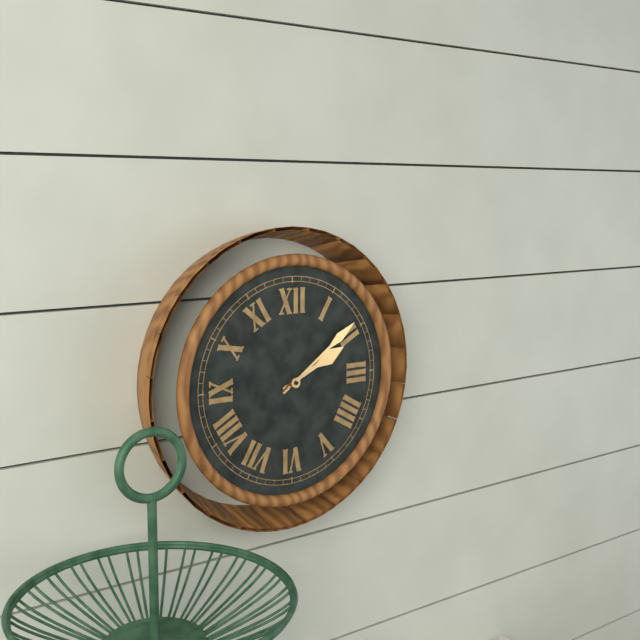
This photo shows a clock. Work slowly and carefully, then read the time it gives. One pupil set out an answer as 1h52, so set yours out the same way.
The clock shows 2h09
